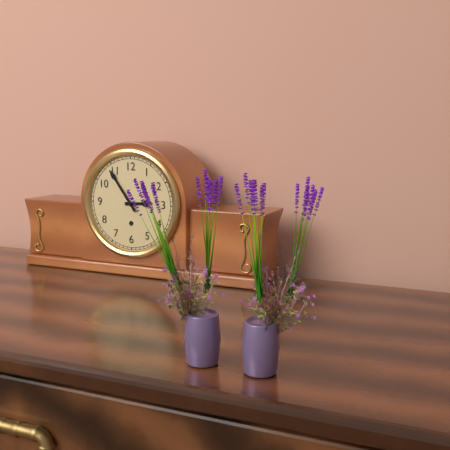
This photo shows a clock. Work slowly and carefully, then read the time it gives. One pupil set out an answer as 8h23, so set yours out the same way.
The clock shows 2h54
